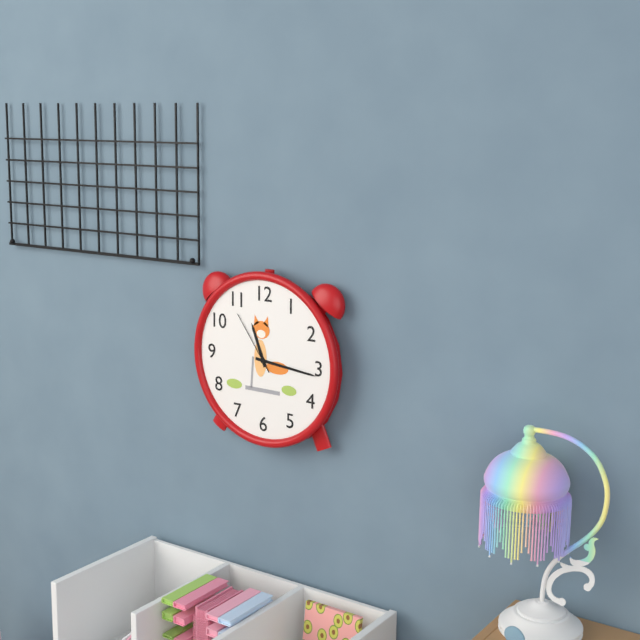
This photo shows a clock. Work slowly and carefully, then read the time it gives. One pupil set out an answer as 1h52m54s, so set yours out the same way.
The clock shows 11h16m54s
